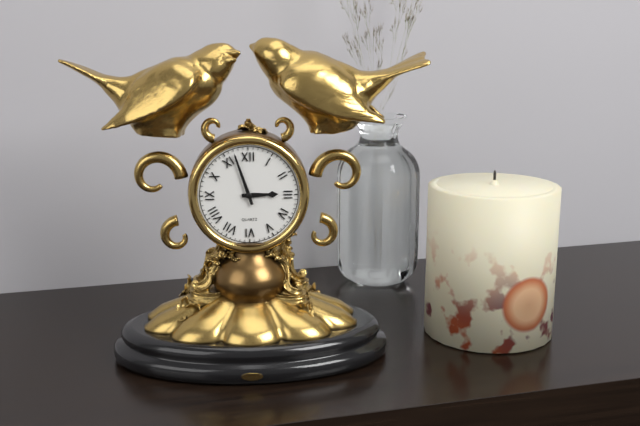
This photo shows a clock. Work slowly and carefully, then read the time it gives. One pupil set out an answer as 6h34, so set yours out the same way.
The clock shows 2h57
